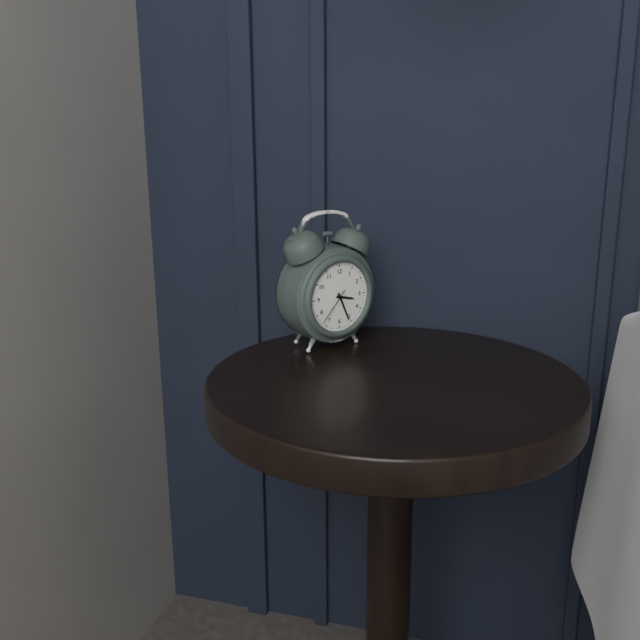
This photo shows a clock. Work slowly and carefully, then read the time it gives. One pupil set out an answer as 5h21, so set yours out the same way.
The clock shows 3h26
